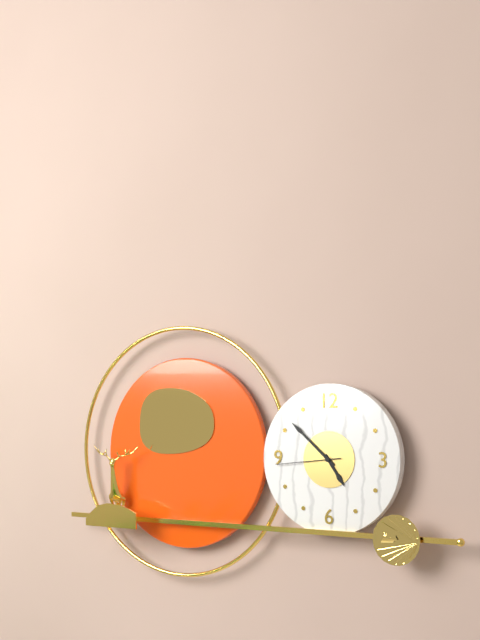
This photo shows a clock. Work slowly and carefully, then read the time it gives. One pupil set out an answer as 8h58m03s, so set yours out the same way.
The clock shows 4h52m44s
